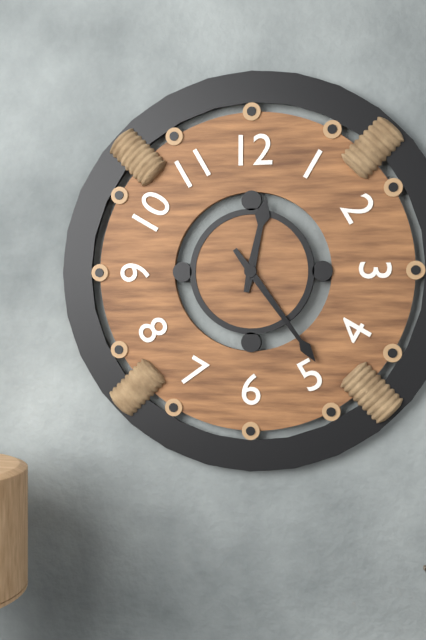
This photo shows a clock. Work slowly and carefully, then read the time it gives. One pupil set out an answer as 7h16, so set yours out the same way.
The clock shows 12h24
